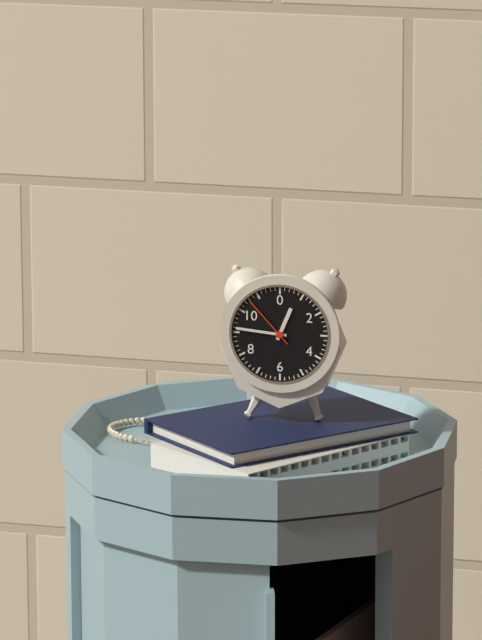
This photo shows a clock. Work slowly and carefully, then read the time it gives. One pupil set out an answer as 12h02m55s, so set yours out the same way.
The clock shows 12h46m53s
